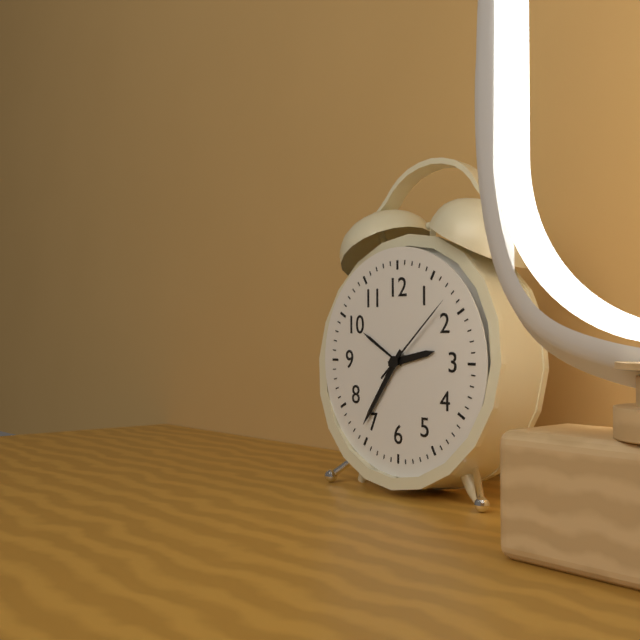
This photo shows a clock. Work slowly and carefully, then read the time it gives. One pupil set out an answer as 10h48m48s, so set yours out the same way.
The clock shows 2h36m08s
